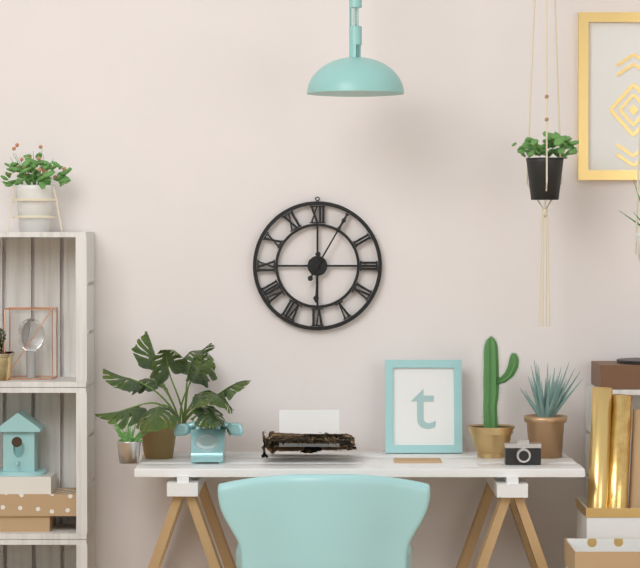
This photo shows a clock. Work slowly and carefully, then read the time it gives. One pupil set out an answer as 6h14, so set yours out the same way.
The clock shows 6h05
